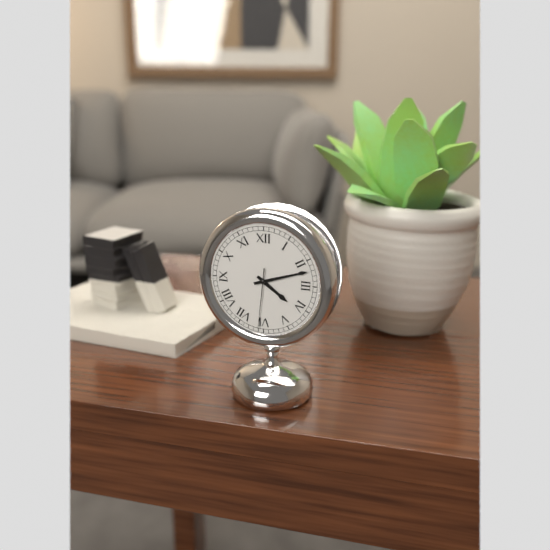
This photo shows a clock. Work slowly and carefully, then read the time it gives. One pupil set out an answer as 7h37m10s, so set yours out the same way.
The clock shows 4h12m31s
